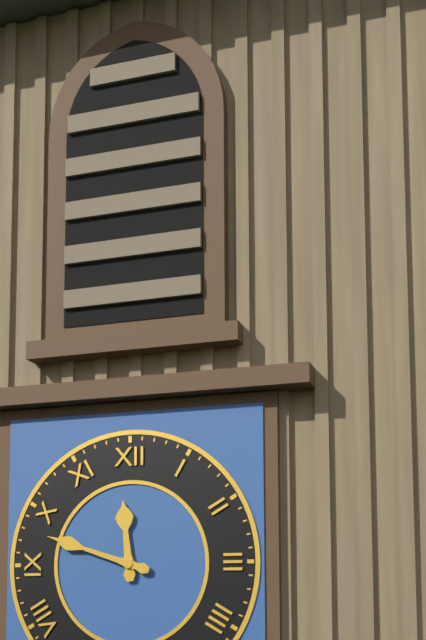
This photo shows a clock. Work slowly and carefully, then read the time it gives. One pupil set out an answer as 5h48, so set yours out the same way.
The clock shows 11h48
